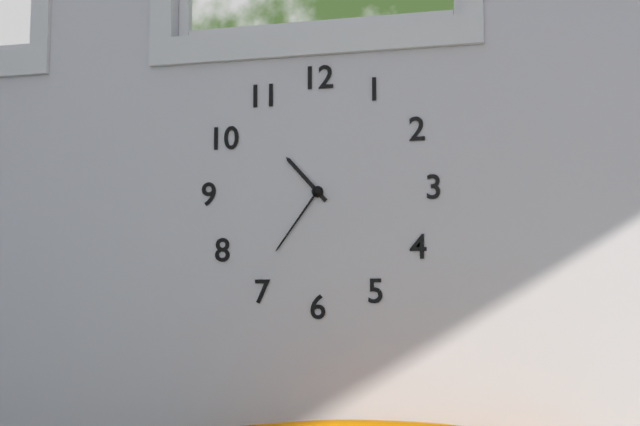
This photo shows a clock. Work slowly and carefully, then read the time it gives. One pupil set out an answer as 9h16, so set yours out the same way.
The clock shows 10h36
